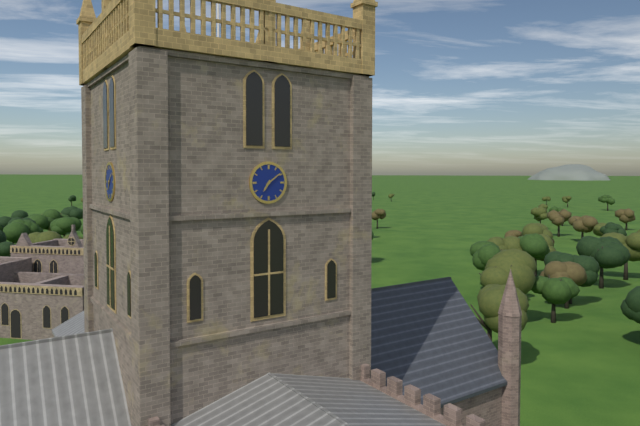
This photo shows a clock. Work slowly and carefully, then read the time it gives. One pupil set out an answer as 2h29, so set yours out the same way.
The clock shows 7h09
